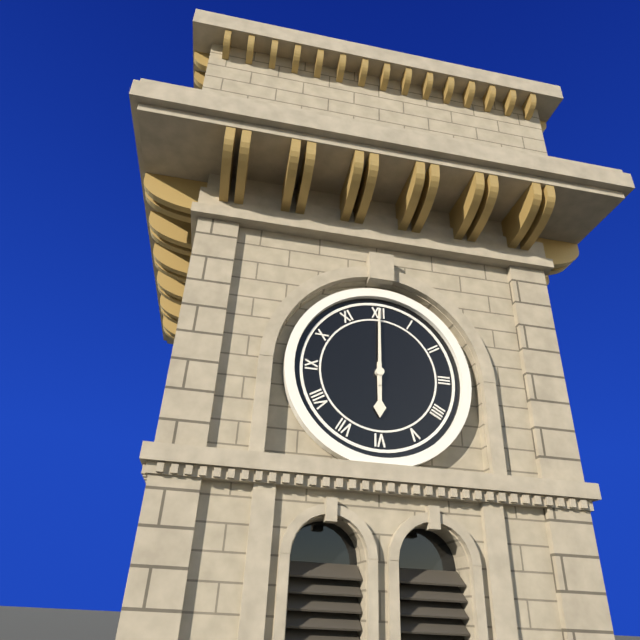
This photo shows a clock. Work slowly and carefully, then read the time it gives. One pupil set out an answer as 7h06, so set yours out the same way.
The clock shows 6h00
